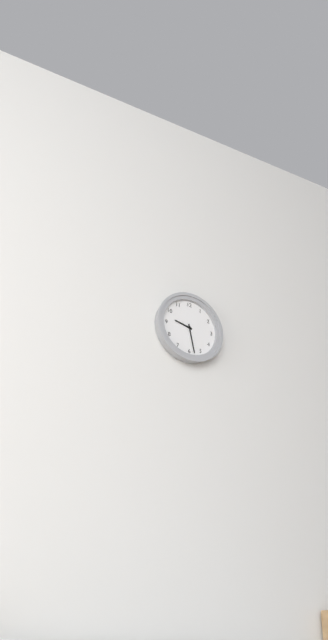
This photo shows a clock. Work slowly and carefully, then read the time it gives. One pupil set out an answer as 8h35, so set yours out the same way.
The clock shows 9h28
